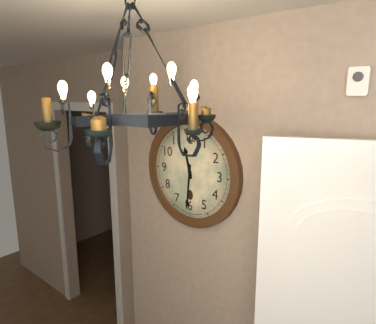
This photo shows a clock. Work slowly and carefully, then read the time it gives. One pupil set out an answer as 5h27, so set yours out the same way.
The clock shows 11h31
